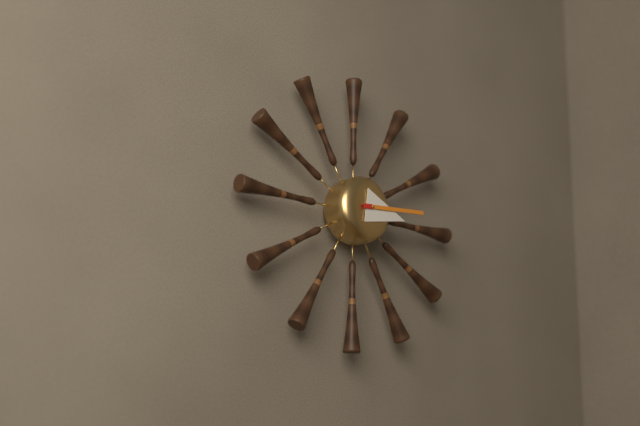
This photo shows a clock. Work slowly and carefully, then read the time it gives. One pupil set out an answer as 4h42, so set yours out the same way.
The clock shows 3h14
